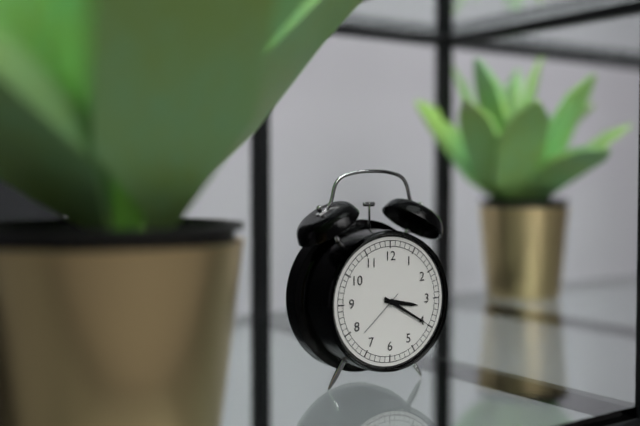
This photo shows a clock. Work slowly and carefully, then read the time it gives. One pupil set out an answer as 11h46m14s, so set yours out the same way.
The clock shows 3h20m38s
